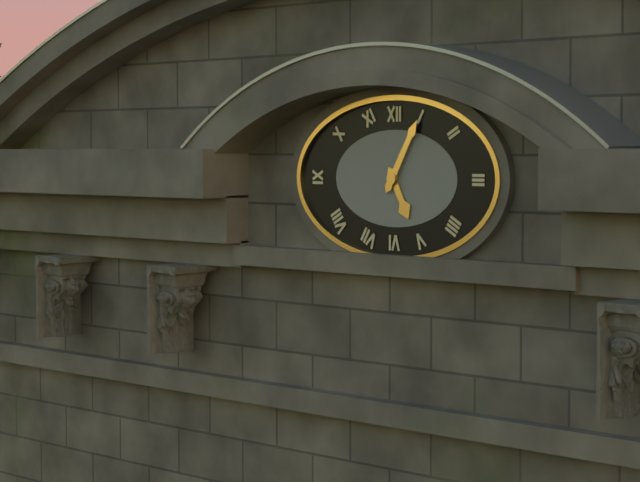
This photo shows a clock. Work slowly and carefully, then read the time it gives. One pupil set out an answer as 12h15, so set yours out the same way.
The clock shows 5h05
